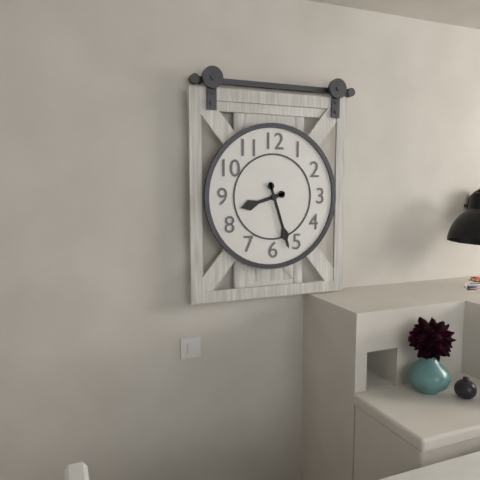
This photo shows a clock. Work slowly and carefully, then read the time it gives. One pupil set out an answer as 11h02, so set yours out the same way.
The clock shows 8h27
